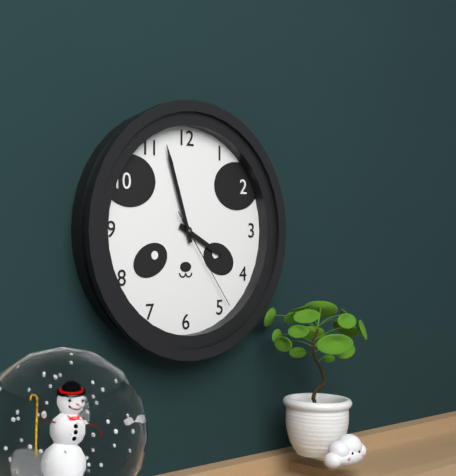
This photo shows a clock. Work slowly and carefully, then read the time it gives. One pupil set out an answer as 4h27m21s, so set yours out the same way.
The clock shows 3h57m24s
